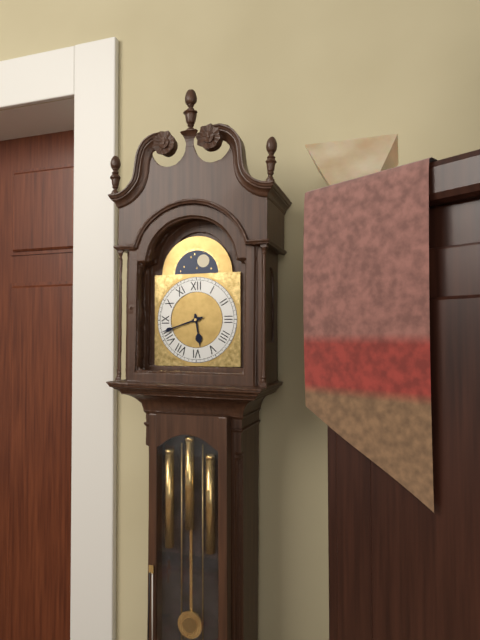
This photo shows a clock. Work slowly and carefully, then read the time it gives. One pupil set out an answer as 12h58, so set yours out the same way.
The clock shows 5h42
